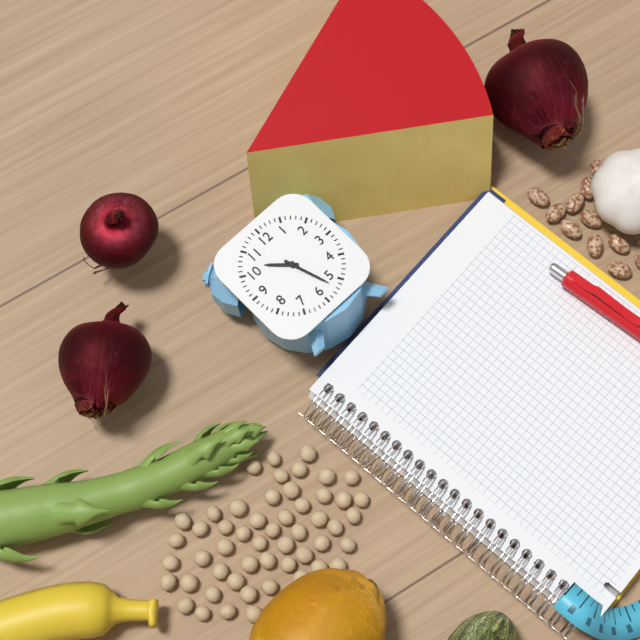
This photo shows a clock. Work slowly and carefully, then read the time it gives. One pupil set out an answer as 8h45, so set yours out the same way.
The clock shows 10h27
